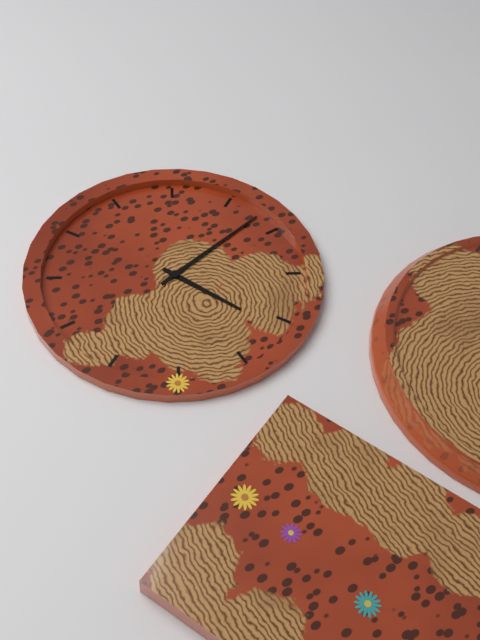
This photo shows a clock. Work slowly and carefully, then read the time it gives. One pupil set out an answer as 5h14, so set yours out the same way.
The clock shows 5h13
